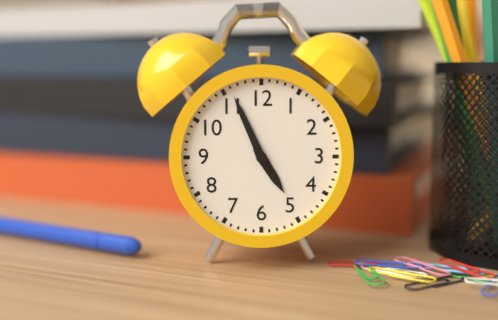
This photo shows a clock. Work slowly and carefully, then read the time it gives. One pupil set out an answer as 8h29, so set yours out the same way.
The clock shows 4h56
